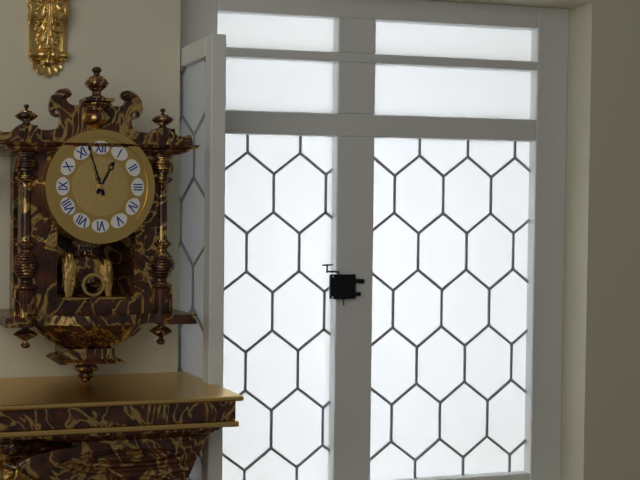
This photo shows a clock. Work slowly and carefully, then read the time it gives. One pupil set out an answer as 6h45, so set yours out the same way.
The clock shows 12h57
